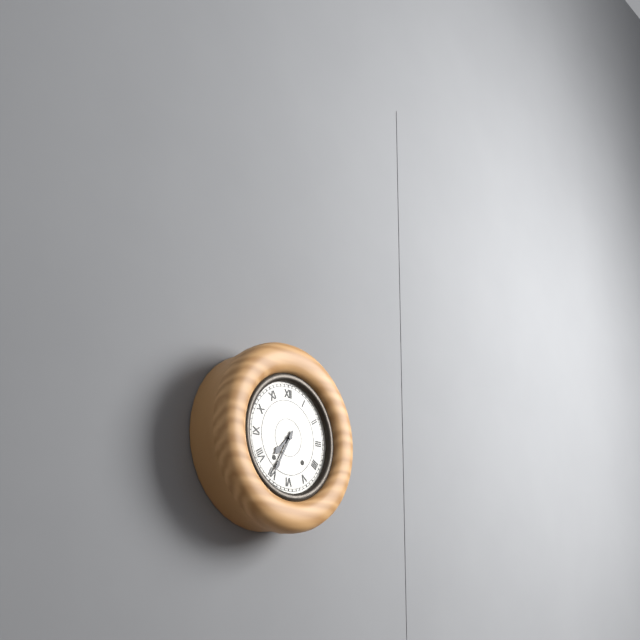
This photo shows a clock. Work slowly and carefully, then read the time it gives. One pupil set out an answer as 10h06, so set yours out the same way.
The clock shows 7h35
